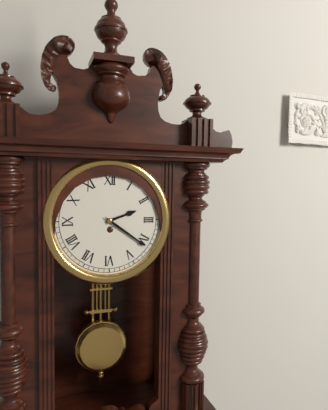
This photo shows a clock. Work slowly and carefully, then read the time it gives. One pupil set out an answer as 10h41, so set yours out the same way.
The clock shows 2h21
